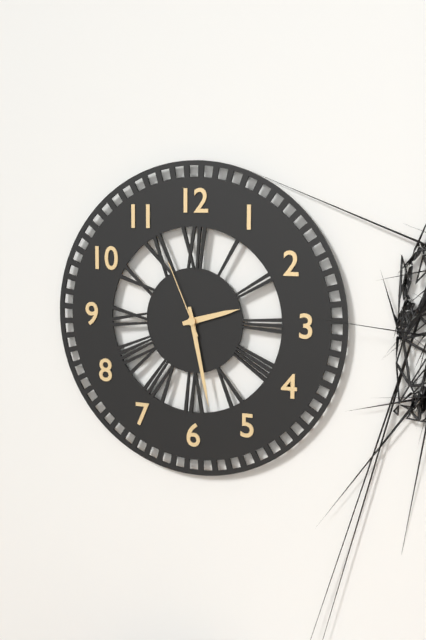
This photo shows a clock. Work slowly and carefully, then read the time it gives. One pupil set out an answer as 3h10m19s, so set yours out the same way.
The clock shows 2h28m56s
